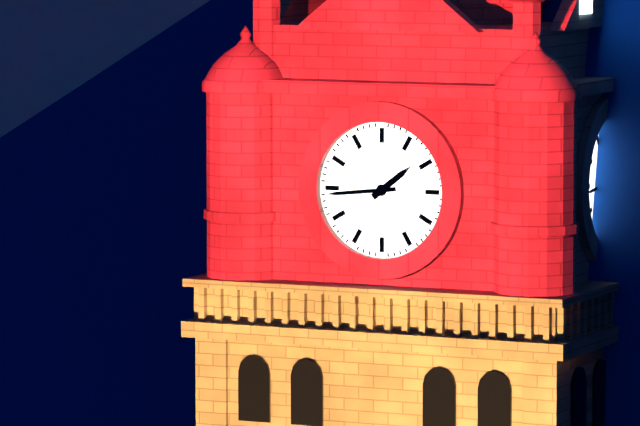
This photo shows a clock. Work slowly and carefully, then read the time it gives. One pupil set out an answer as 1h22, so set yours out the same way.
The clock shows 1h44
